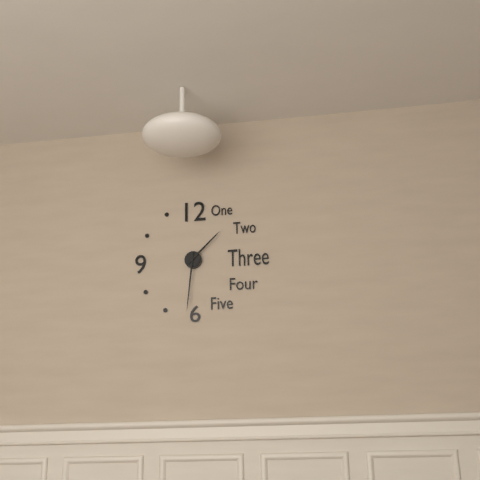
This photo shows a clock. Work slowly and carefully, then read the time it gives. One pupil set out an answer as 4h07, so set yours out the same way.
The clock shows 1h31
